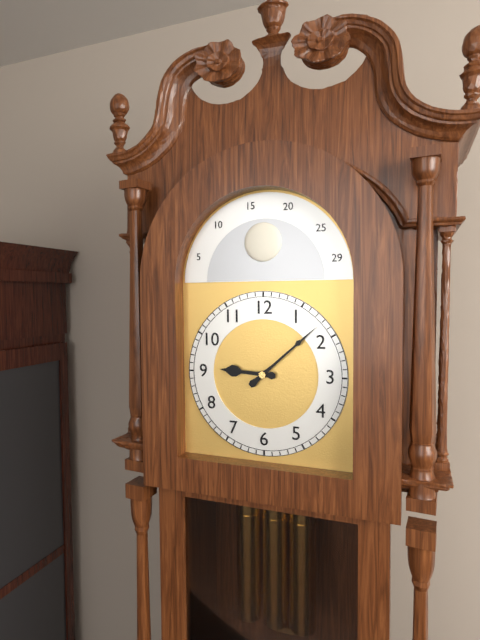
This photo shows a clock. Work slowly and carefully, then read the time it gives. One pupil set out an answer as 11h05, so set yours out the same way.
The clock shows 9h08
